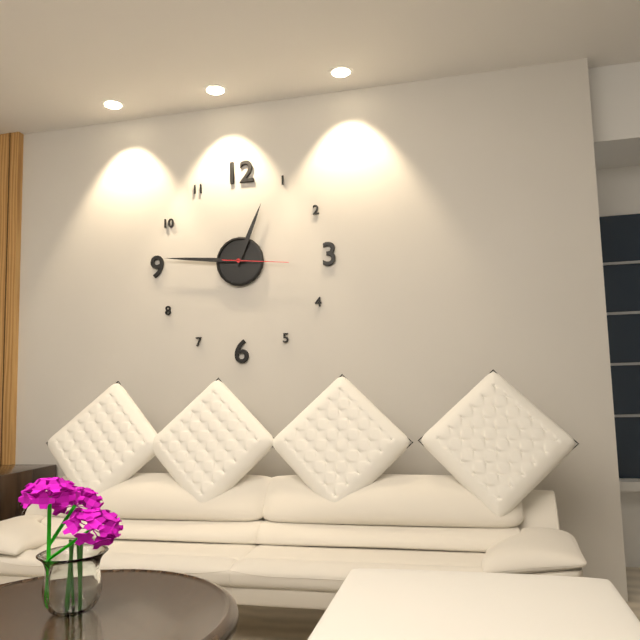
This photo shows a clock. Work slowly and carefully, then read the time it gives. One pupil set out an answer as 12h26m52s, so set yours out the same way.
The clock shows 12h46m16s
